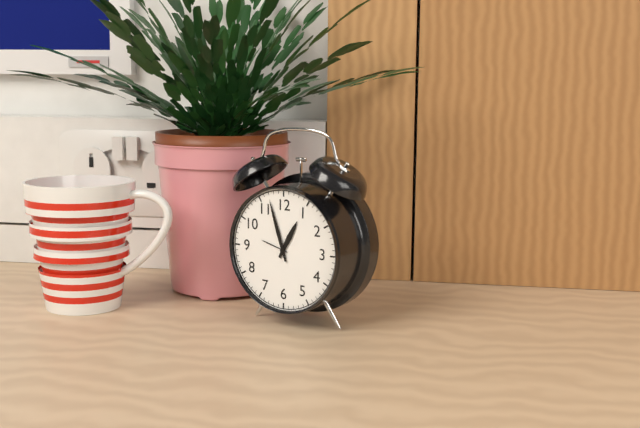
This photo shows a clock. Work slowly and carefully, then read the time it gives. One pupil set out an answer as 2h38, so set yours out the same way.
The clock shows 12h57
